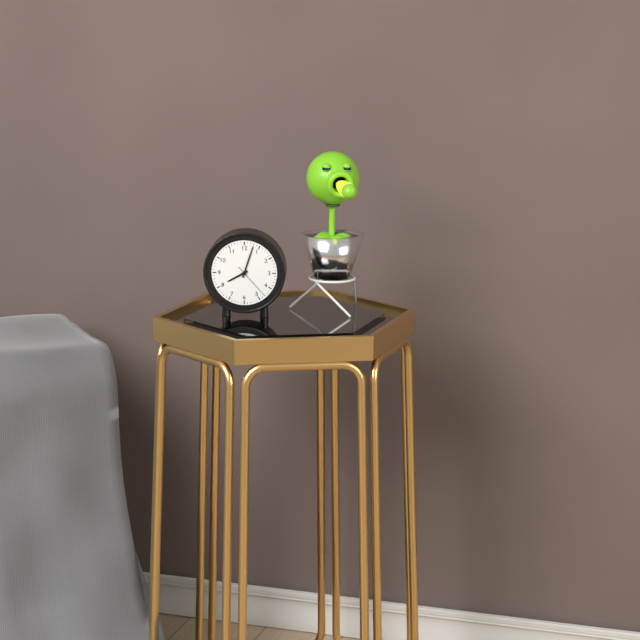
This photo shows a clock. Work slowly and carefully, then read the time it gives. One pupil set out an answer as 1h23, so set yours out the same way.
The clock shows 8h03
